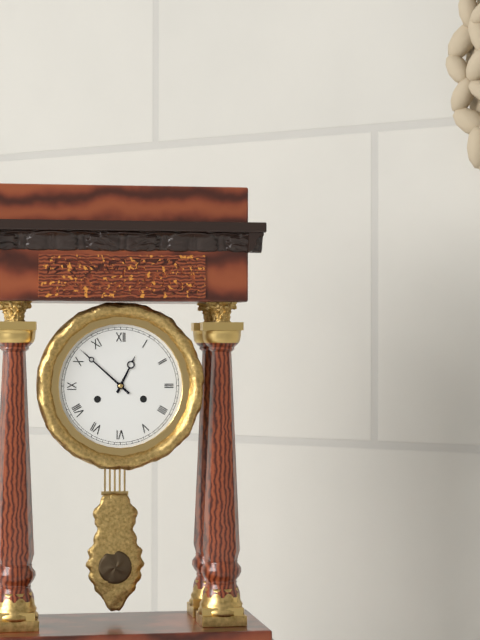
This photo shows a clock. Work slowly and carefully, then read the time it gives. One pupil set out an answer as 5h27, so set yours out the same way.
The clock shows 12h52
